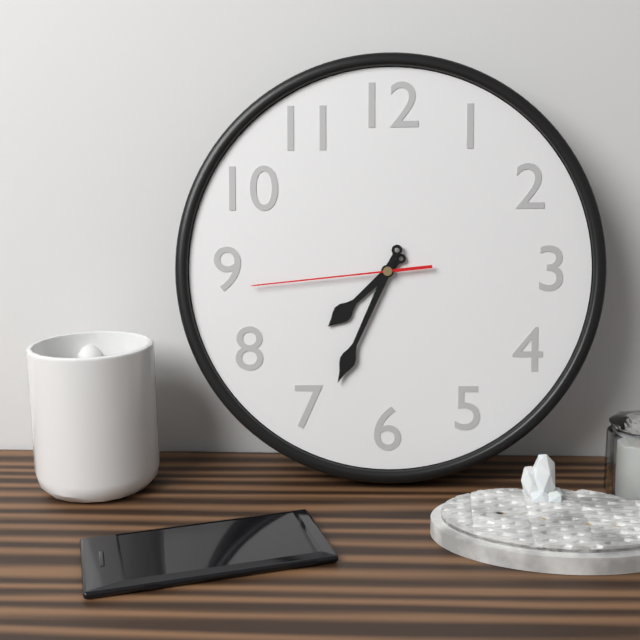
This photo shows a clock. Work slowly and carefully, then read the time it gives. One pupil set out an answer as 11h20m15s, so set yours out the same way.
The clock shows 7h34m44s
